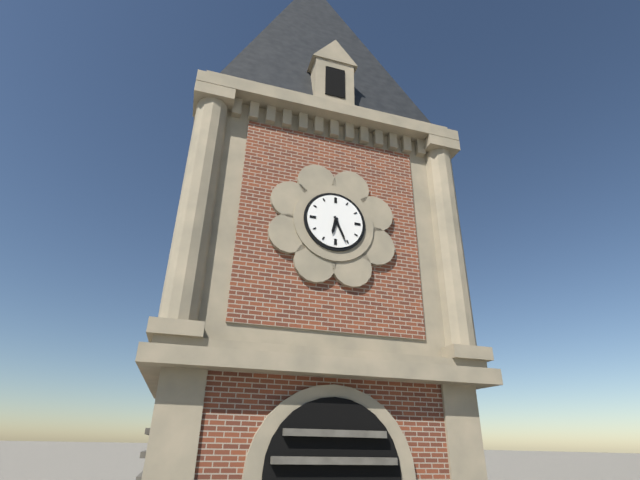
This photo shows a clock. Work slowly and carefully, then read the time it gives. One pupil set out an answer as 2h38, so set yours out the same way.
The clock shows 6h26
